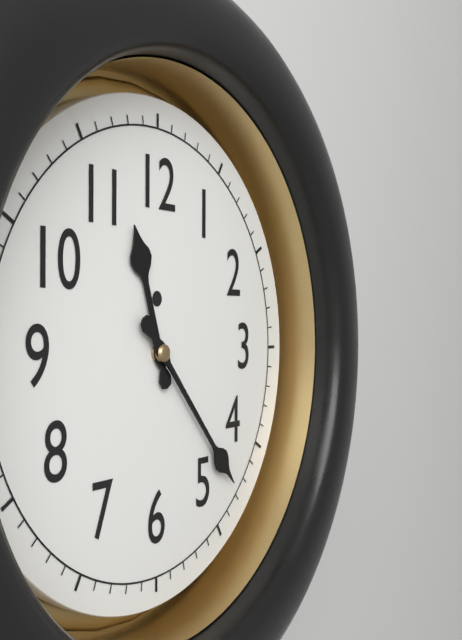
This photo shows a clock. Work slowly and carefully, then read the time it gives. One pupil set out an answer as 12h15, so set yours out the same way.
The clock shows 11h23
